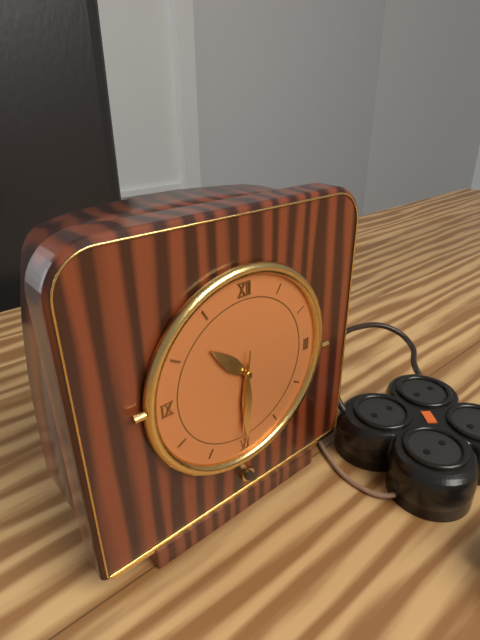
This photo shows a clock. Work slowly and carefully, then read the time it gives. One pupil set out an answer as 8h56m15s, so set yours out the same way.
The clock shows 10h30m31s
